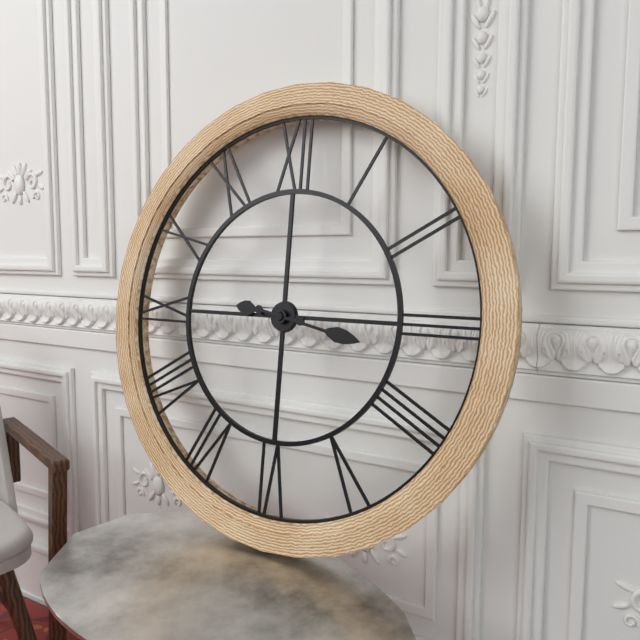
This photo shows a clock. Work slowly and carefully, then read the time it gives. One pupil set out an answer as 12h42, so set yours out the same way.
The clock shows 9h17
